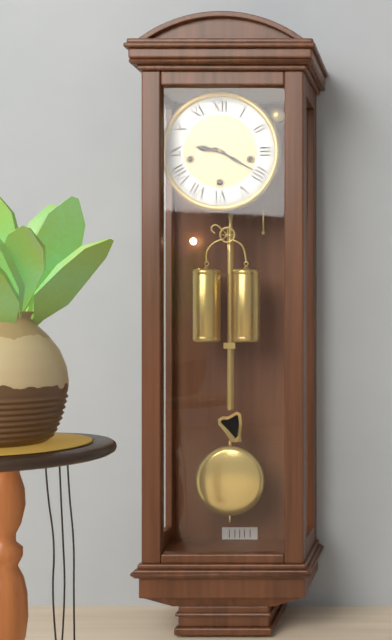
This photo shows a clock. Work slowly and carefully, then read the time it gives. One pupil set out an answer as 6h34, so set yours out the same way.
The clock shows 9h20
